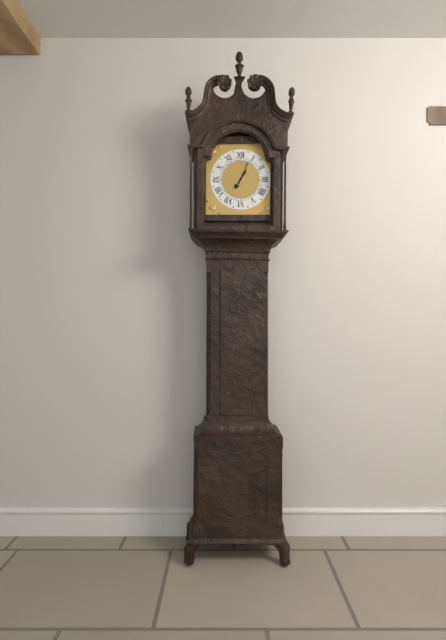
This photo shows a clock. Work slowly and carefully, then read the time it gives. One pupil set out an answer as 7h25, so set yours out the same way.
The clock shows 1h04
